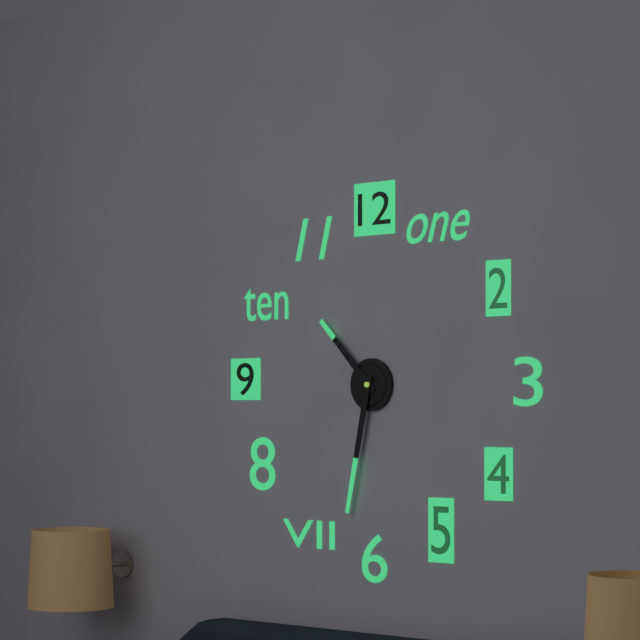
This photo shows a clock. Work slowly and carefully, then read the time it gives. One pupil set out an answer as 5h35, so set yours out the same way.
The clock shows 10h32
